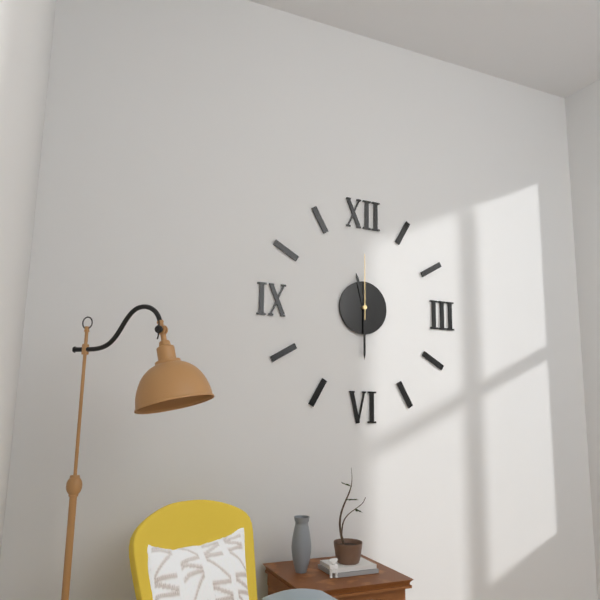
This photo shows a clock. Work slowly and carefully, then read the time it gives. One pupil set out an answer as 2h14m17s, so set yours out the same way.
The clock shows 11h30m00s
